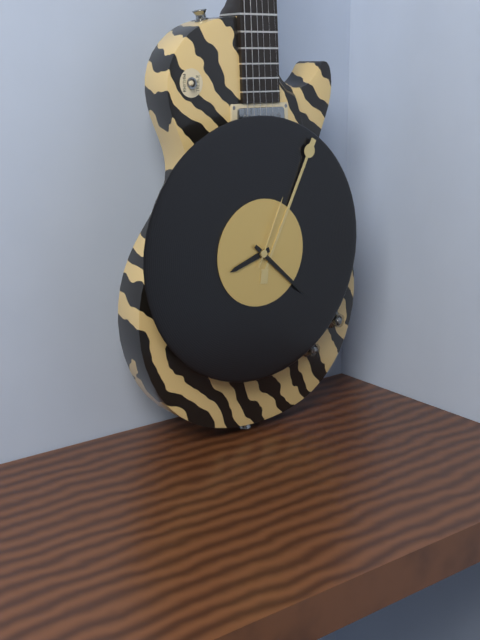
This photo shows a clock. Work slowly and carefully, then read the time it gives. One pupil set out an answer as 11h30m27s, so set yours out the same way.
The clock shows 8h22m04s
